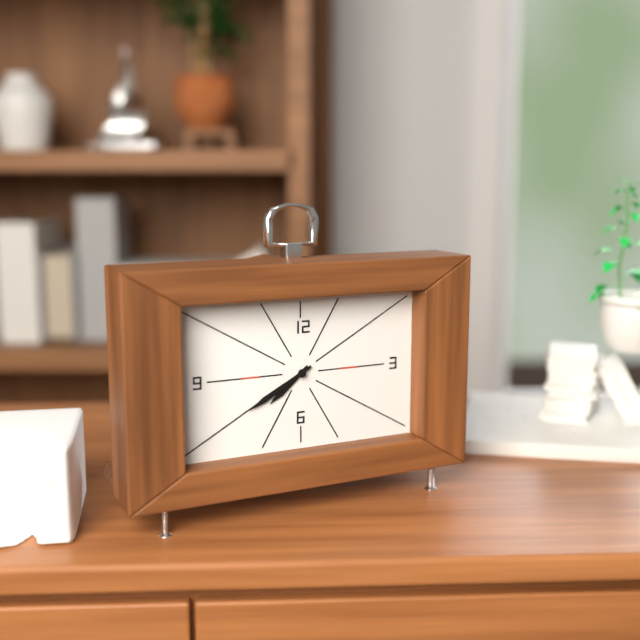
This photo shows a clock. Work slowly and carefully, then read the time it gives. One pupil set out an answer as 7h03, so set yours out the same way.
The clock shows 7h40
